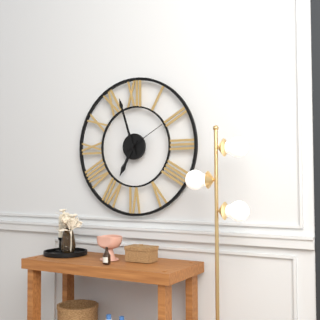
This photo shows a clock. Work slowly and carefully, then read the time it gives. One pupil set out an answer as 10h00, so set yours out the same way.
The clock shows 6h57
